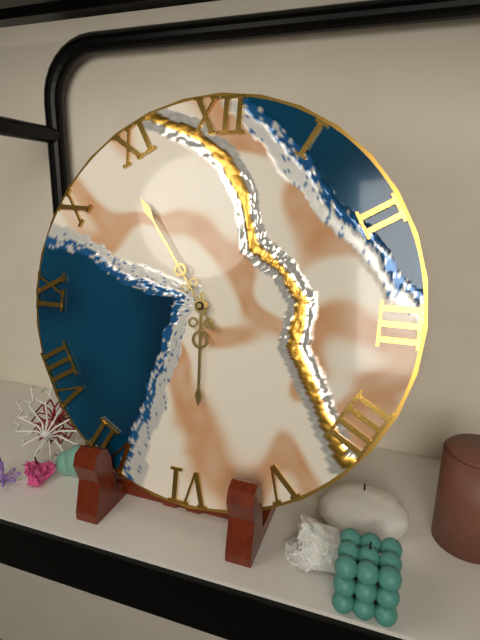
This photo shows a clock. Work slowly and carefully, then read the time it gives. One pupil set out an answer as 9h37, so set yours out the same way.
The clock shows 5h54
